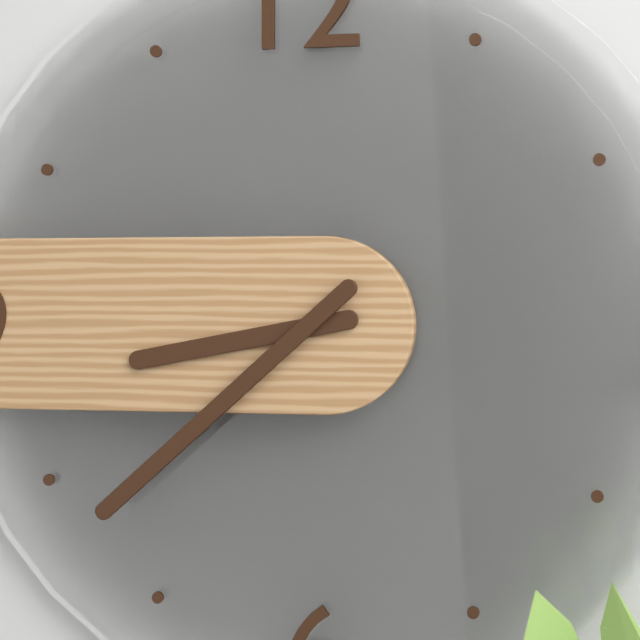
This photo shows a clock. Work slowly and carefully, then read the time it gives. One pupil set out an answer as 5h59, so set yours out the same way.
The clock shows 8h38
